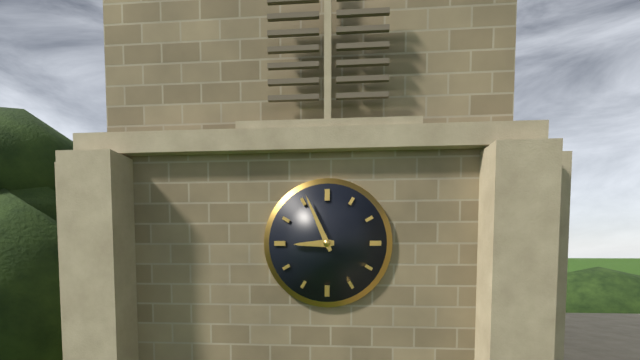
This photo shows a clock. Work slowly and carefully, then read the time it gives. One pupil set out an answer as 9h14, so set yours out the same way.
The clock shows 8h56
